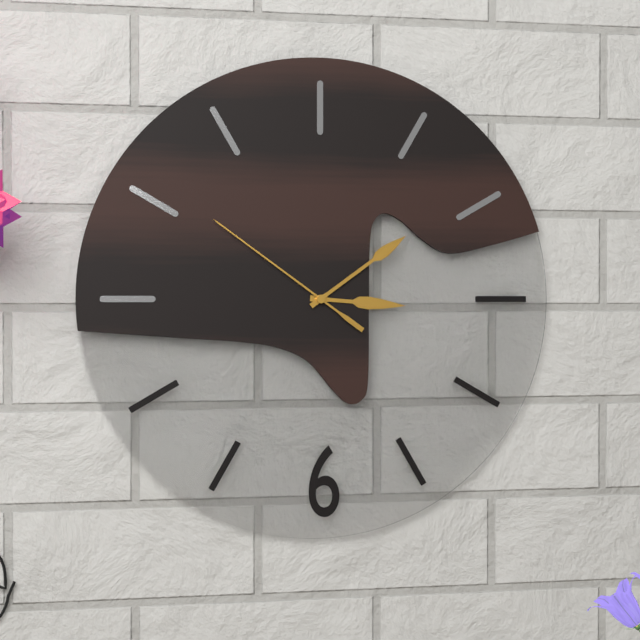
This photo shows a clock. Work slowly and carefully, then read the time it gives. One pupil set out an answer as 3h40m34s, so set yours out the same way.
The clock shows 3h09m51s
